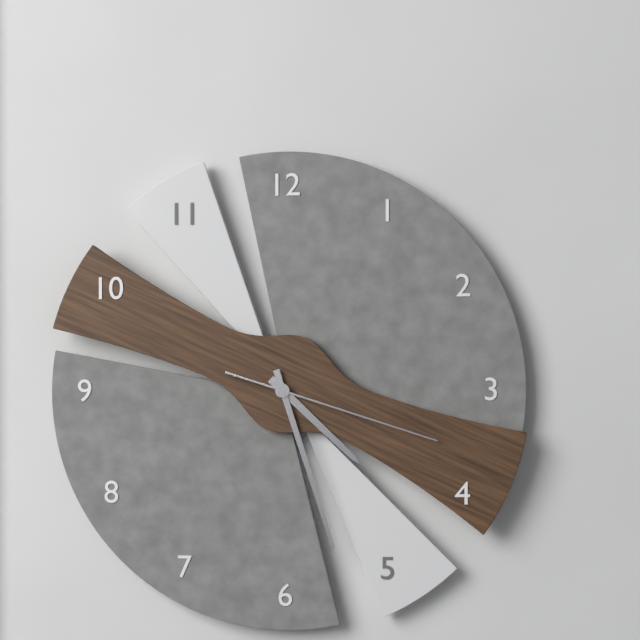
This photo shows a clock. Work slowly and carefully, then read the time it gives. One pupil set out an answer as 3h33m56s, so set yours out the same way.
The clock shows 4h27m18s
